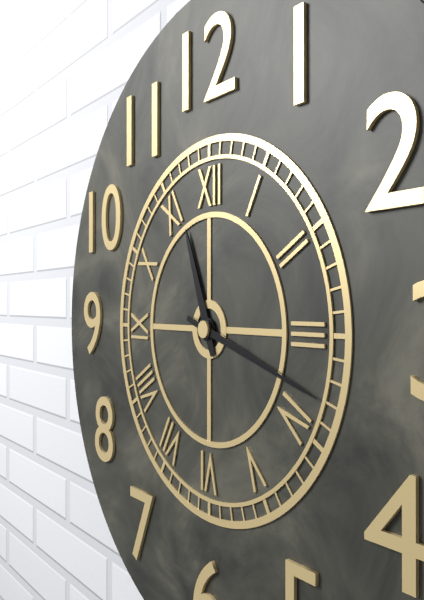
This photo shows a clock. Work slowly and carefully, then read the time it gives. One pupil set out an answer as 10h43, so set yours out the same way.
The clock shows 11h18
